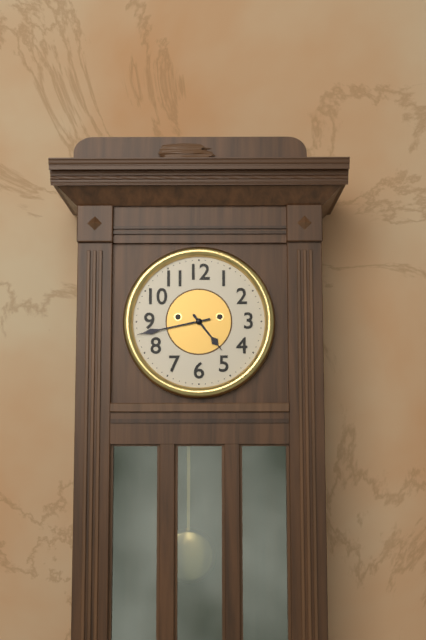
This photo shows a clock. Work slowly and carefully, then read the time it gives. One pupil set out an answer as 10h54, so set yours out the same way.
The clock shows 4h43
